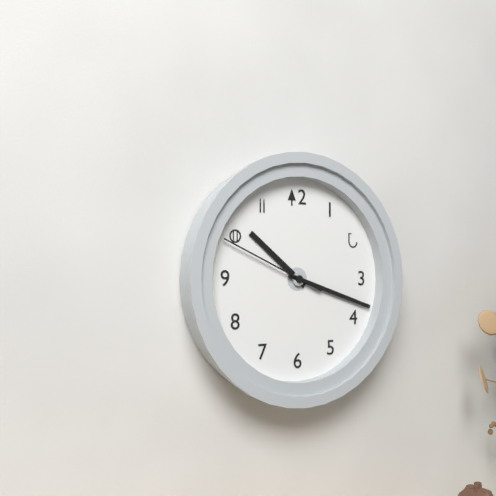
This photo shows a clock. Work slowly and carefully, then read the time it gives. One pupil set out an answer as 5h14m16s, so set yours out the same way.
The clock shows 10h18m49s
